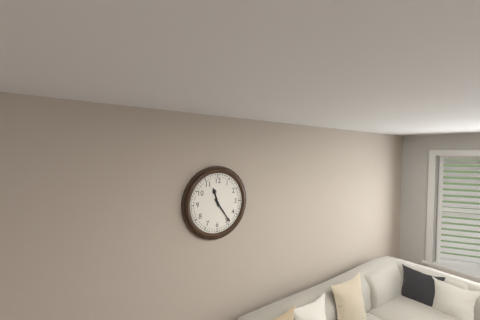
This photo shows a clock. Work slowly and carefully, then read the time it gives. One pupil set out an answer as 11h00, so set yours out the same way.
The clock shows 11h24
